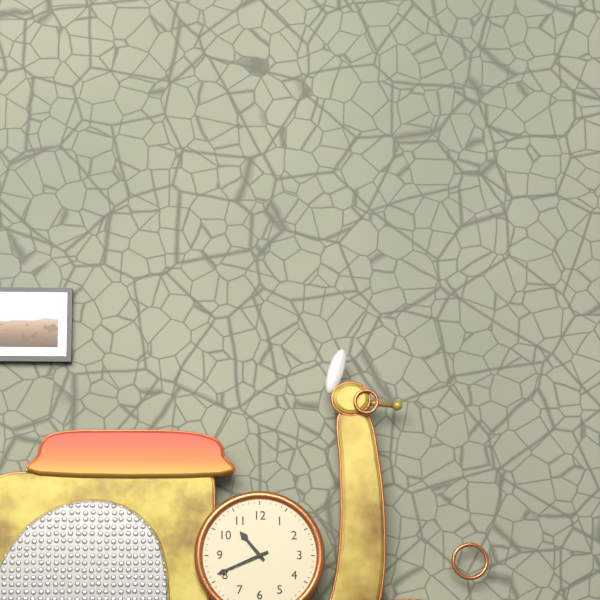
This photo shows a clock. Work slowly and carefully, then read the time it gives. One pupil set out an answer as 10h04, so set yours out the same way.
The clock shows 10h41
